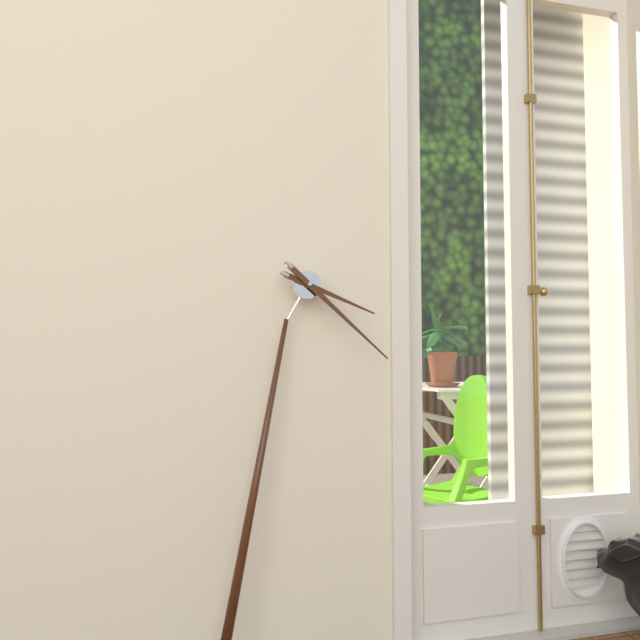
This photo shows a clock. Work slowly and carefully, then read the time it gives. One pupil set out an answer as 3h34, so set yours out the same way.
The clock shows 3h20
